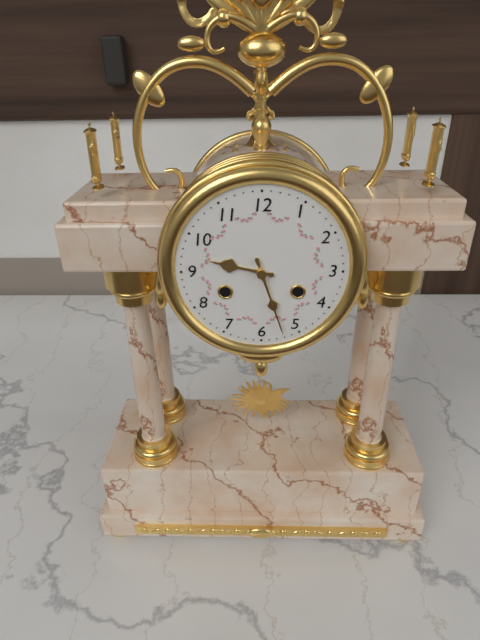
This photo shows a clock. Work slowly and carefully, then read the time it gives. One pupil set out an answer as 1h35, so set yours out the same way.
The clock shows 9h27
